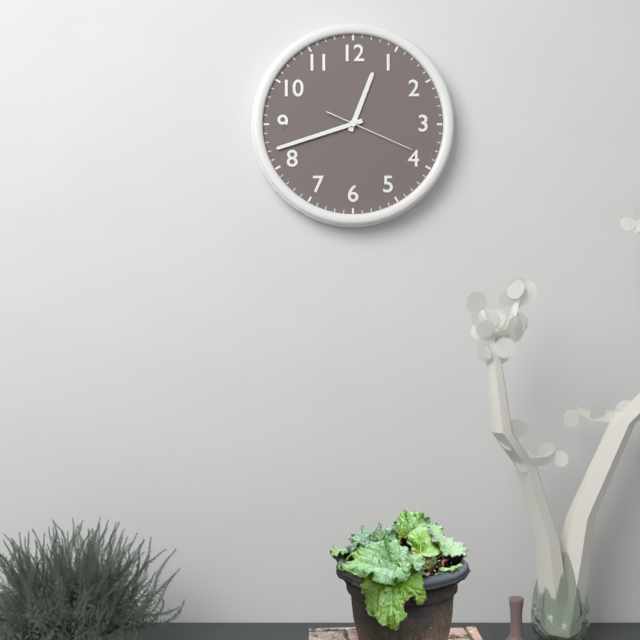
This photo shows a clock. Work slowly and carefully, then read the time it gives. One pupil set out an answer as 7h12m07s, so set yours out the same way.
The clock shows 12h42m19s
